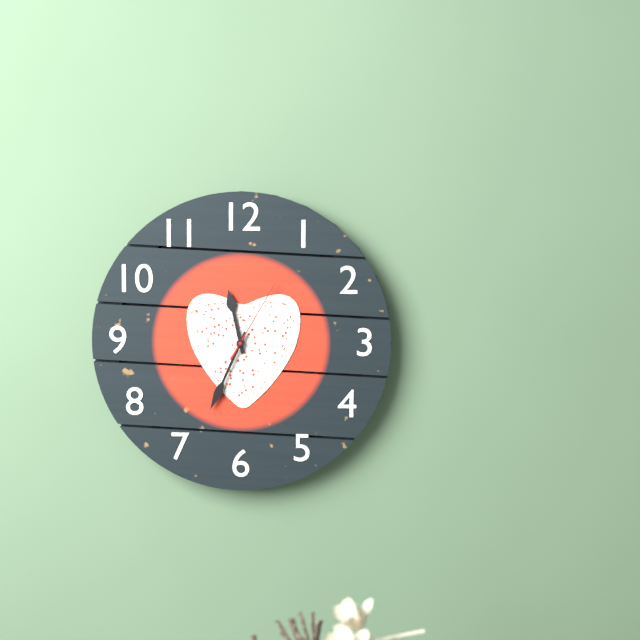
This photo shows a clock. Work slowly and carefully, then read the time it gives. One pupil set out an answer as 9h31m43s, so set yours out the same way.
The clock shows 11h34m05s
